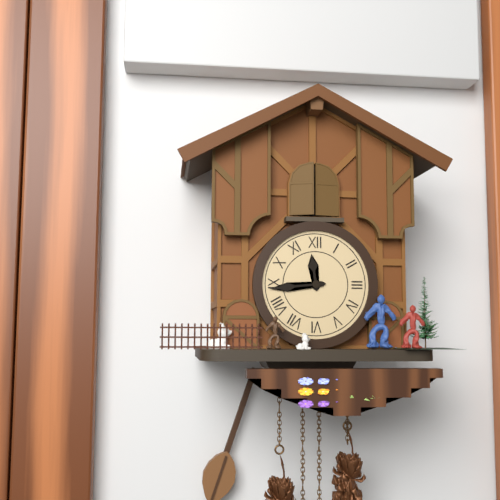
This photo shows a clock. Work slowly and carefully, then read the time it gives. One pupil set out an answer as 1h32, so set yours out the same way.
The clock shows 11h44
